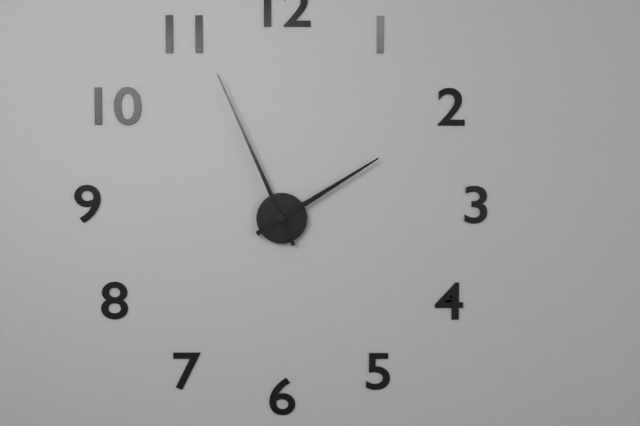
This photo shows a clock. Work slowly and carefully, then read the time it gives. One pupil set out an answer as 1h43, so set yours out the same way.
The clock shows 1h56
